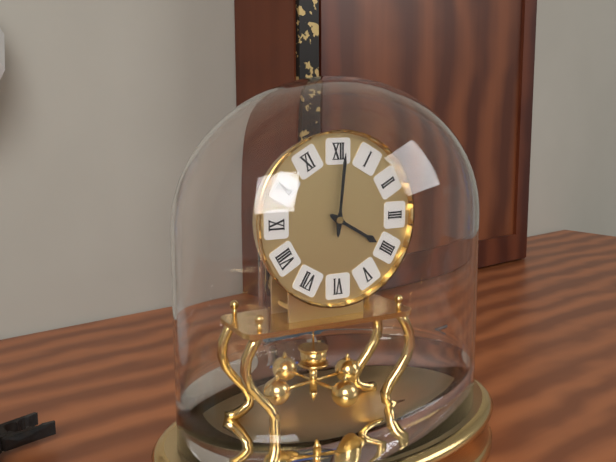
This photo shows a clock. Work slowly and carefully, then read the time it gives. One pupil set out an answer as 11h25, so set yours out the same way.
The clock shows 4h01
